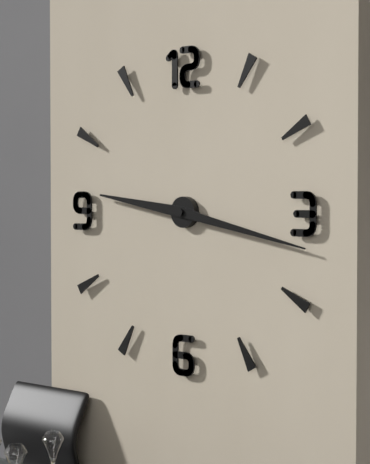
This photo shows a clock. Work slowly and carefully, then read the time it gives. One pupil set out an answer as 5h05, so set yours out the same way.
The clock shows 9h17
